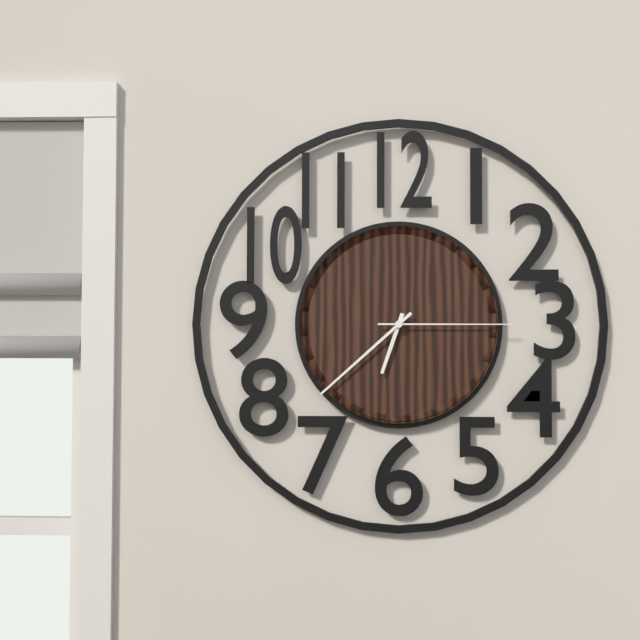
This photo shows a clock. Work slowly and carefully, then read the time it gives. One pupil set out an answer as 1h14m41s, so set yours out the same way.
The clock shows 6h38m15s
